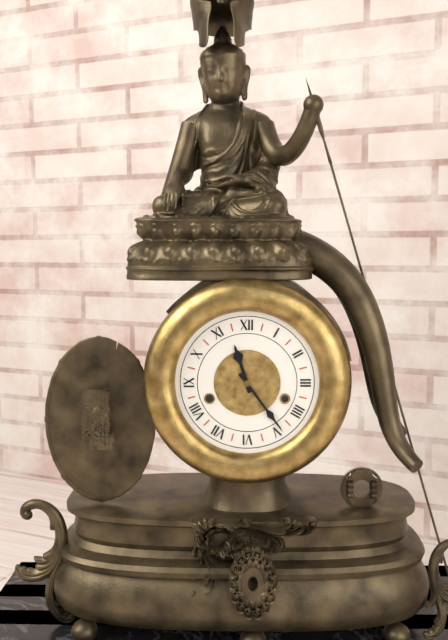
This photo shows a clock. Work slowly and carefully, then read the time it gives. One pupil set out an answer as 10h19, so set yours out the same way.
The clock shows 11h24
